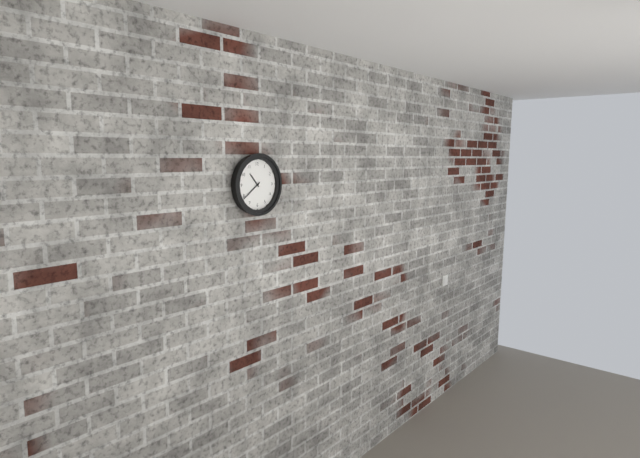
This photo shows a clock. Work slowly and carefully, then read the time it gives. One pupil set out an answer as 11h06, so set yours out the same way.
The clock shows 10h39
